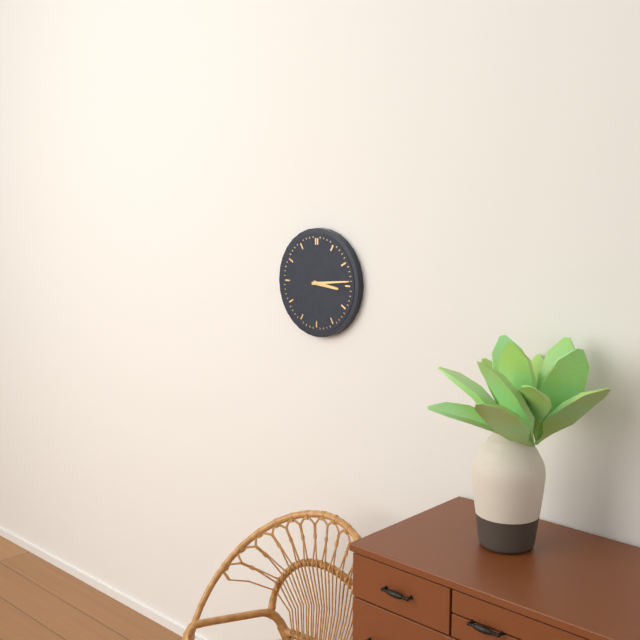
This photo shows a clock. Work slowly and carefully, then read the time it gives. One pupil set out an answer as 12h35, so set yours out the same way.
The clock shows 3h14
